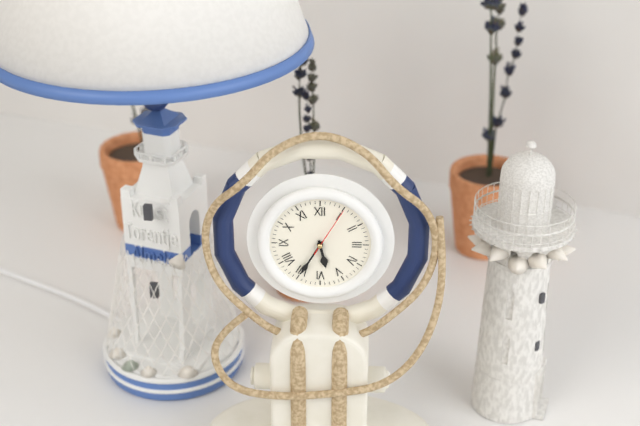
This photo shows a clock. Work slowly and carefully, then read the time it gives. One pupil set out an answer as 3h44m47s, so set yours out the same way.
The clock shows 5h35m05s
